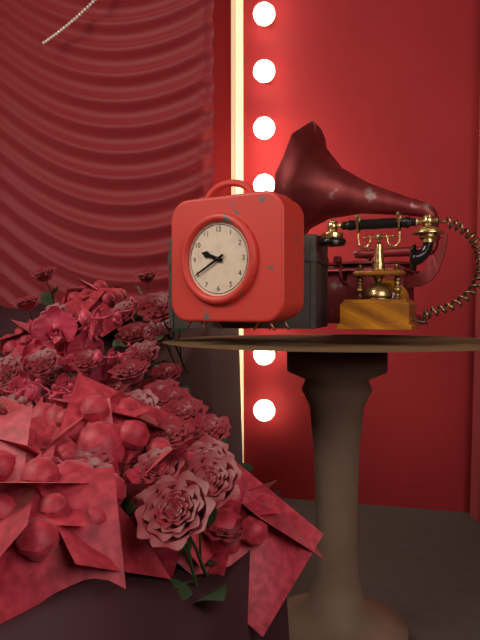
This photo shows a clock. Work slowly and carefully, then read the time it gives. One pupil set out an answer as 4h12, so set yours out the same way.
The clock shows 9h40
